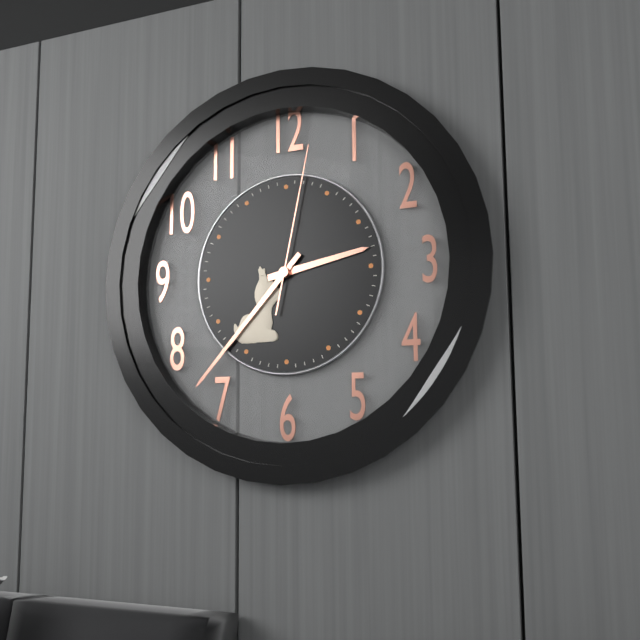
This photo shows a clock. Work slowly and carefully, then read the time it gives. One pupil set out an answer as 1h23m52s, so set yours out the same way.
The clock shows 2h37m02s
